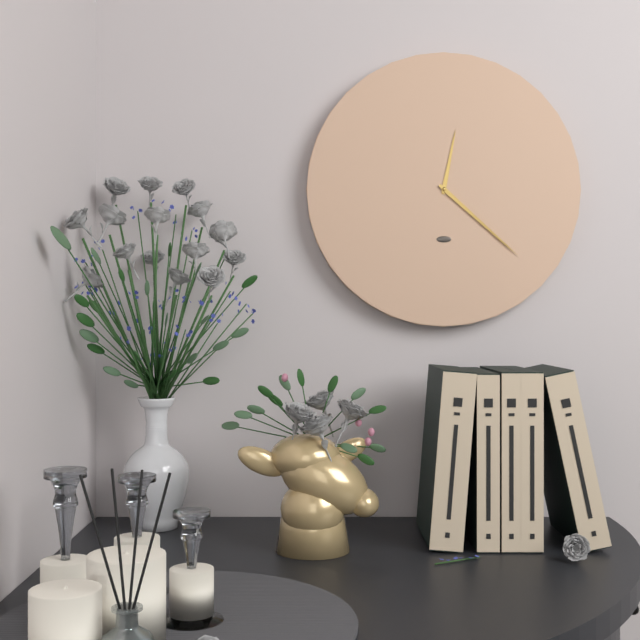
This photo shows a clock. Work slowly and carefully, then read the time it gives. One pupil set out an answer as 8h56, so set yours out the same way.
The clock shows 12h22
